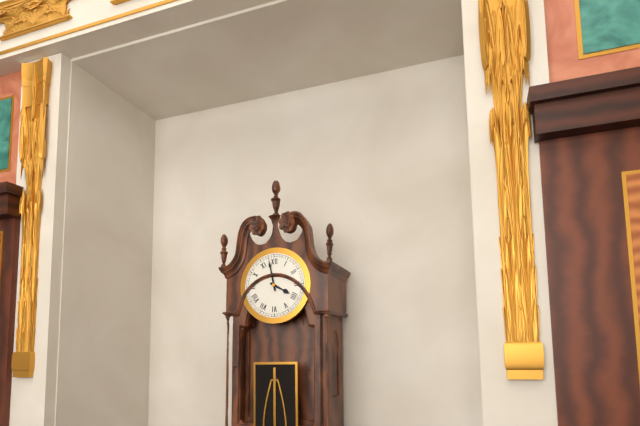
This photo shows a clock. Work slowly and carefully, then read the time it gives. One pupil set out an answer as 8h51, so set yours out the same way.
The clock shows 3h58
